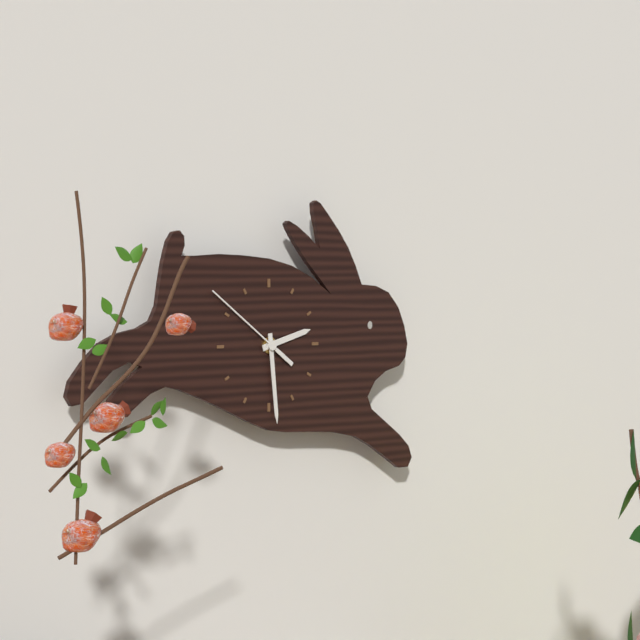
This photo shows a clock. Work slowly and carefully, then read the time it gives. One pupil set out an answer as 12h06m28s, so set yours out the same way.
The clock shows 2h29m51s
